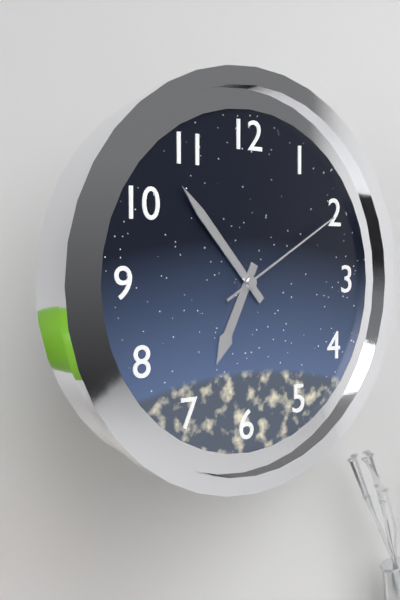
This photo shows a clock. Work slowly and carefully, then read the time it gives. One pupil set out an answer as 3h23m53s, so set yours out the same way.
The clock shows 6h53m10s
